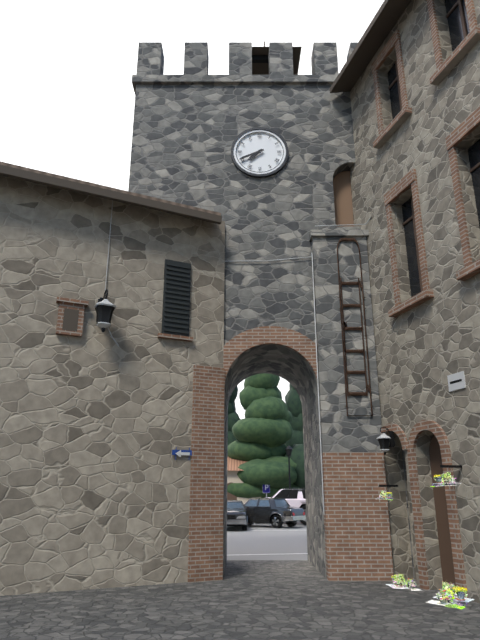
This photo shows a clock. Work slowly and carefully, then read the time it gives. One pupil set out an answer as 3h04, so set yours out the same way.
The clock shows 7h41
